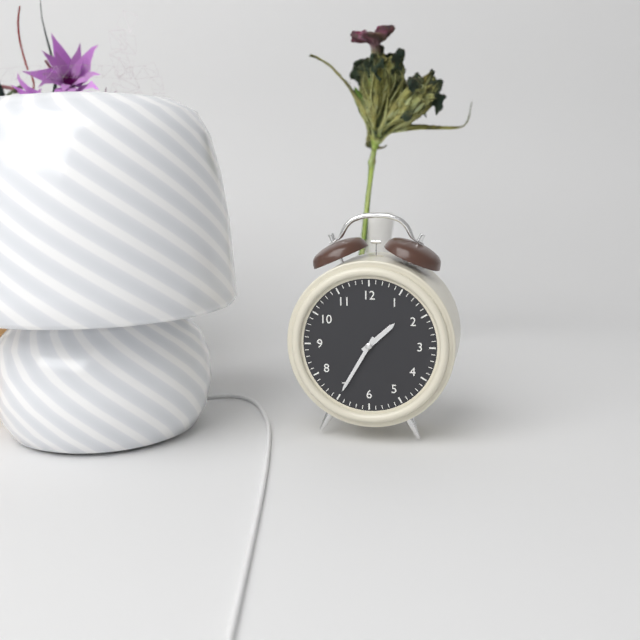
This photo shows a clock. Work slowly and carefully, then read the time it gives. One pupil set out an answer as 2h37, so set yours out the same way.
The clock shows 1h35
